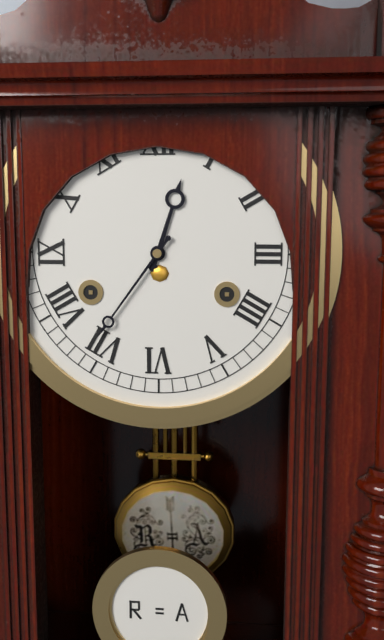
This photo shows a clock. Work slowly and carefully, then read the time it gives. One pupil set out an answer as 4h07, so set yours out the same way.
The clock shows 12h36
